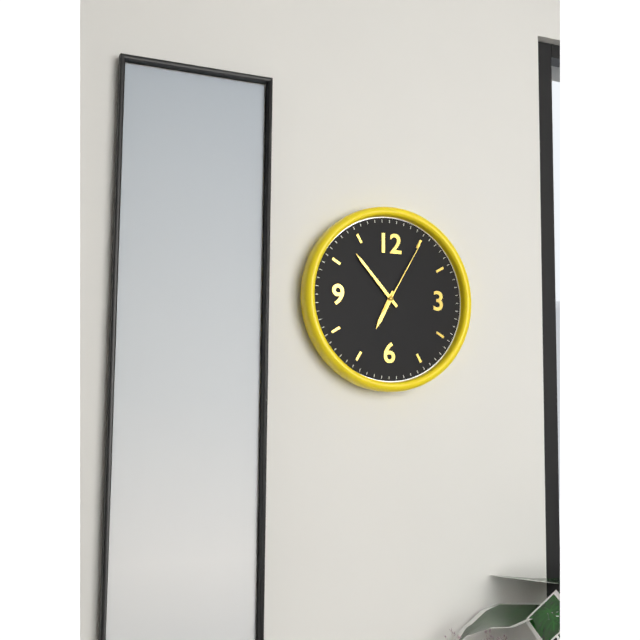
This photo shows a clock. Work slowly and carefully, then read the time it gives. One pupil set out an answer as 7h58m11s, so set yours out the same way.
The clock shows 6h53m05s
